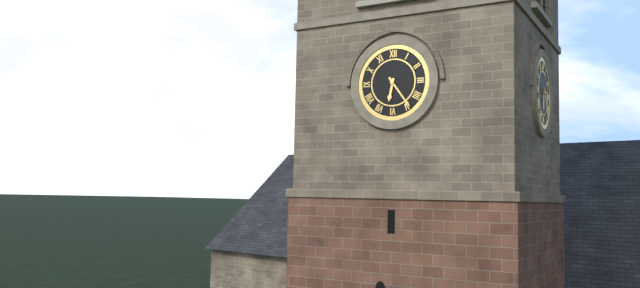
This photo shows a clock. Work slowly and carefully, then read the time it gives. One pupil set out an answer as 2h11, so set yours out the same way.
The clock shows 6h24
